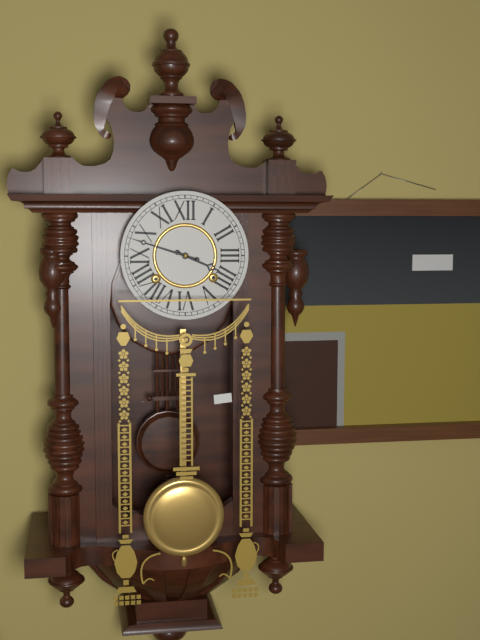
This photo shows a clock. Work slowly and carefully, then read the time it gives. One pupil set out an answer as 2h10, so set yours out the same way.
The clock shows 3h48
